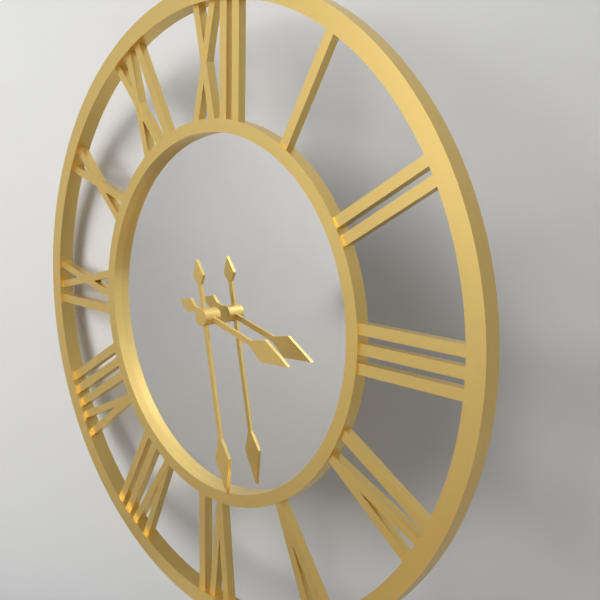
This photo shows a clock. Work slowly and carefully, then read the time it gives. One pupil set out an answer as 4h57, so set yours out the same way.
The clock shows 3h28
